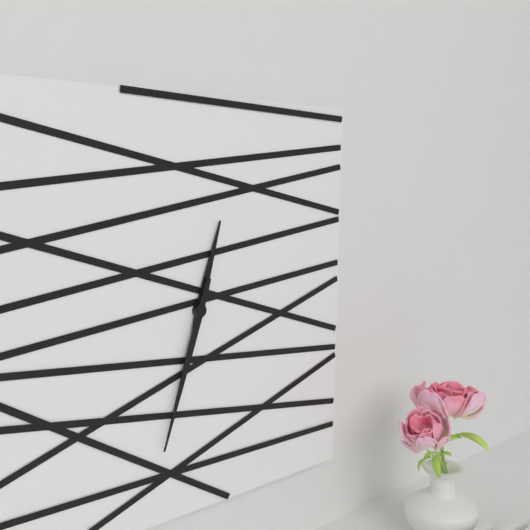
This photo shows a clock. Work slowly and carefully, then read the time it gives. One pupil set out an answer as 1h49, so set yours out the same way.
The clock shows 12h33
